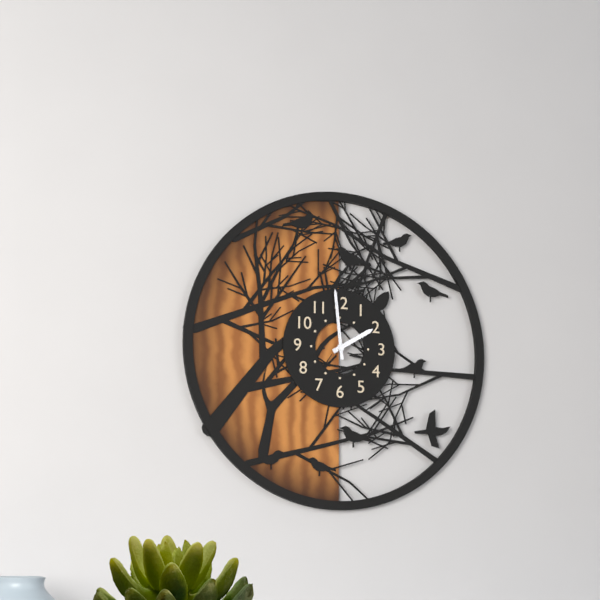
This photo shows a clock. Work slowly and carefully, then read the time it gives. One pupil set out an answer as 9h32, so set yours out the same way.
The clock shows 1h59
